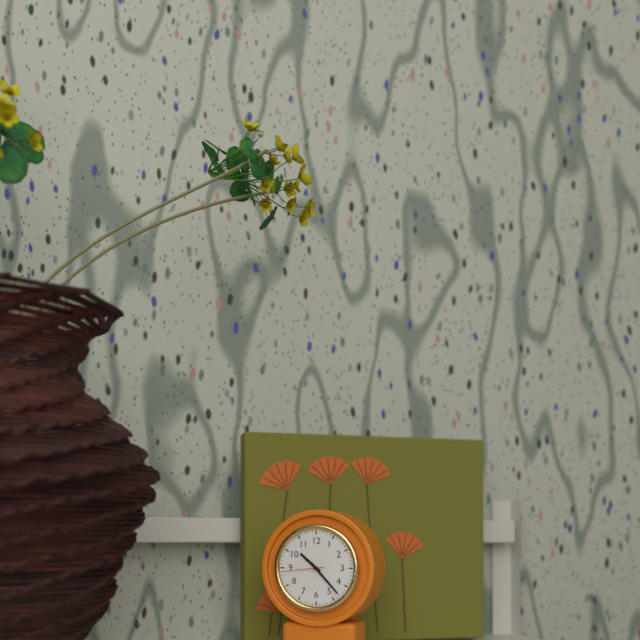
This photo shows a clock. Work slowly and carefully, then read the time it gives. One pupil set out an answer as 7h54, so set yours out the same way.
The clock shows 10h23
